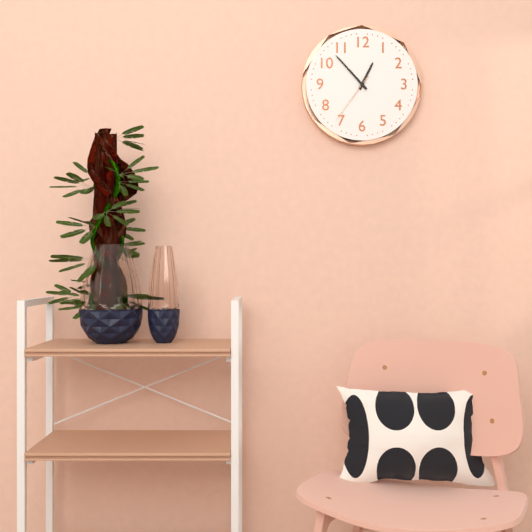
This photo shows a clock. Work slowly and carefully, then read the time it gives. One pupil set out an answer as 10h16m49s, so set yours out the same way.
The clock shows 12h53m36s
